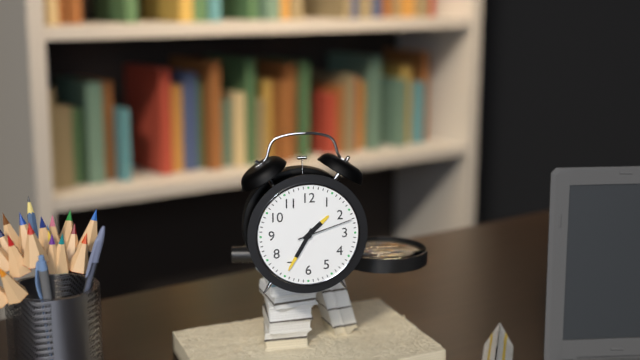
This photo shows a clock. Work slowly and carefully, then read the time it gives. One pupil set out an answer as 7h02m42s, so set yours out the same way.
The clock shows 1h35m12s
